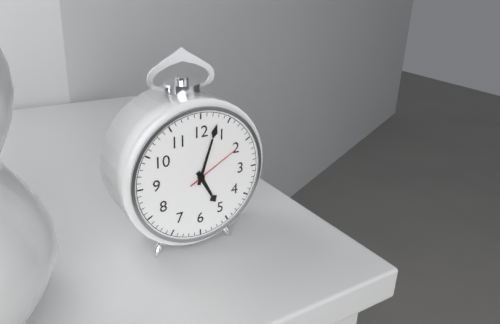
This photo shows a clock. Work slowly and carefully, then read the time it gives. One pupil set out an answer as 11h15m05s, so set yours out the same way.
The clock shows 5h03m10s
